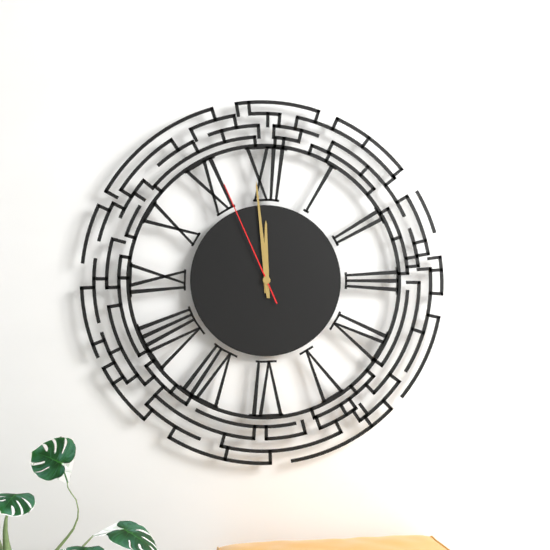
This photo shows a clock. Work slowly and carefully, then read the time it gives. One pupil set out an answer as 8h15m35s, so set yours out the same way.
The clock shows 11h59m56s
